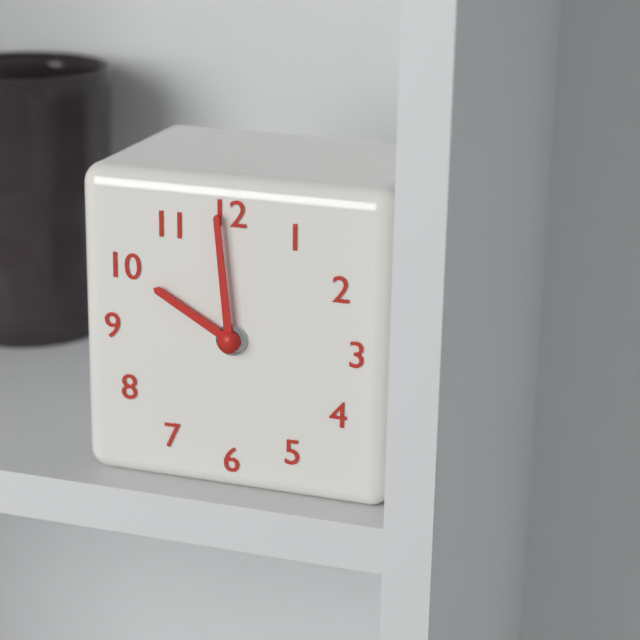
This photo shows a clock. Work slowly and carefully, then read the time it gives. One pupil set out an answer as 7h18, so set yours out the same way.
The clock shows 9h59
